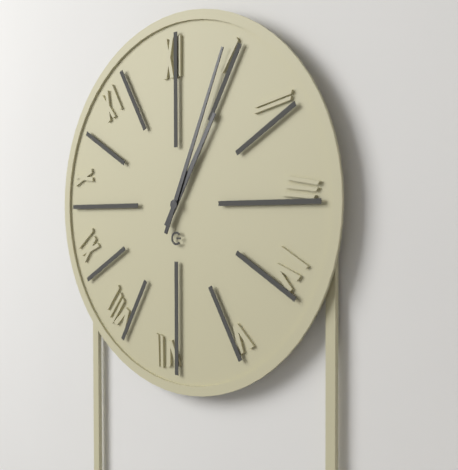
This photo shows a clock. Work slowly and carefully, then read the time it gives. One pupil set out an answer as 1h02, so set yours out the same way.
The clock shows 1h04
